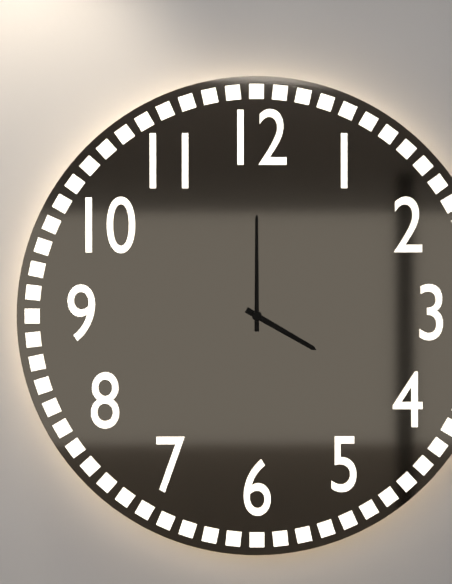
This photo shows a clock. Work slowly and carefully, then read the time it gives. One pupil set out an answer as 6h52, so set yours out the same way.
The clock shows 4h00
